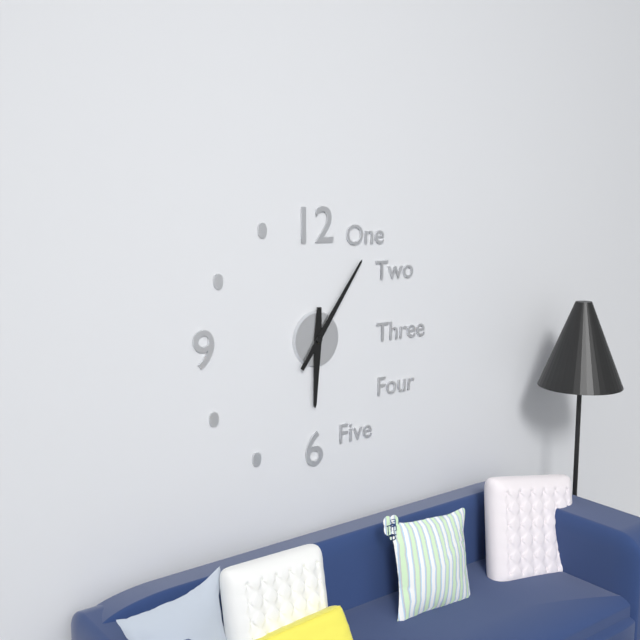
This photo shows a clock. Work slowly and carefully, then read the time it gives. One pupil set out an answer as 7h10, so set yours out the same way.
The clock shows 6h06
